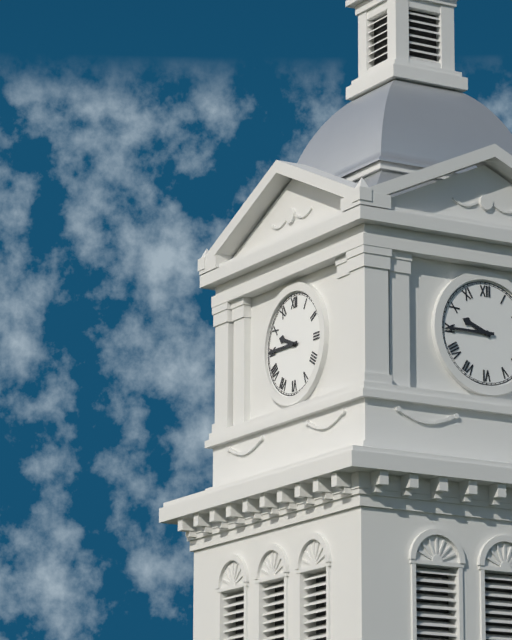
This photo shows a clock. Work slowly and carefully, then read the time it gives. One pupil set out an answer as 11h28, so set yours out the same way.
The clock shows 9h45
